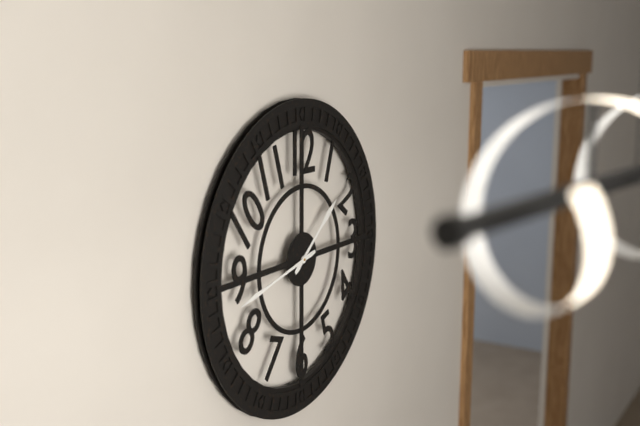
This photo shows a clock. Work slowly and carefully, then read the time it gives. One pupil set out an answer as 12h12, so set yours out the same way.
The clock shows 1h43
